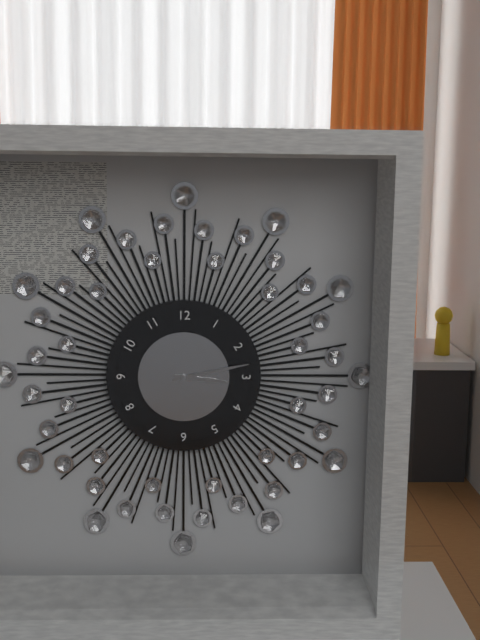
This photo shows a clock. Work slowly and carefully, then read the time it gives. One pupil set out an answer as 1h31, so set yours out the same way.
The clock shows 3h13
